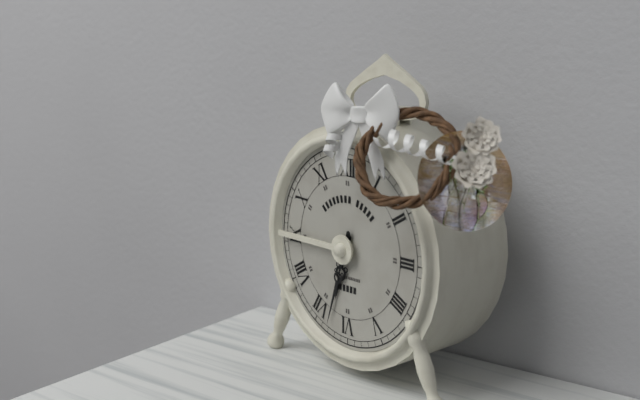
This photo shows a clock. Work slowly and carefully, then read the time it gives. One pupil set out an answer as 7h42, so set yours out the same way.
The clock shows 6h33
